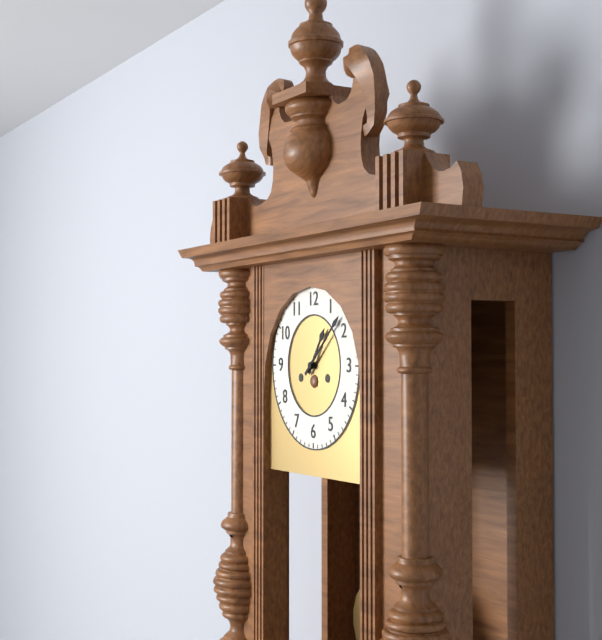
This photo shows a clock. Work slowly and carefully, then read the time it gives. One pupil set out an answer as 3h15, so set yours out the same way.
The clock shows 1h08
